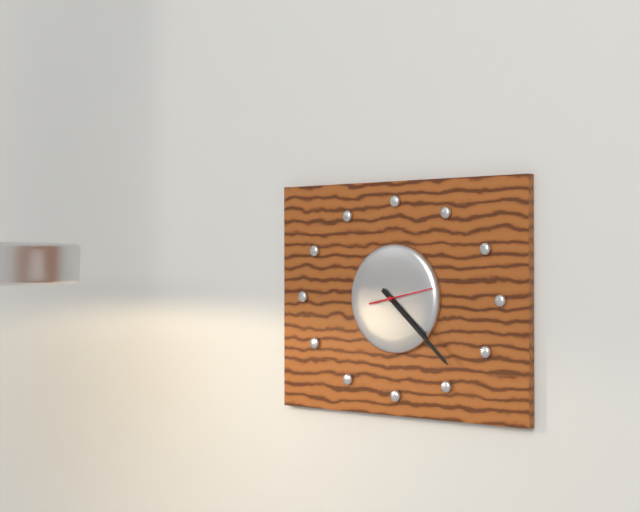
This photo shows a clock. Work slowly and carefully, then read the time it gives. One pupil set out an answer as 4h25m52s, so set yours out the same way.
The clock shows 4h22m13s
